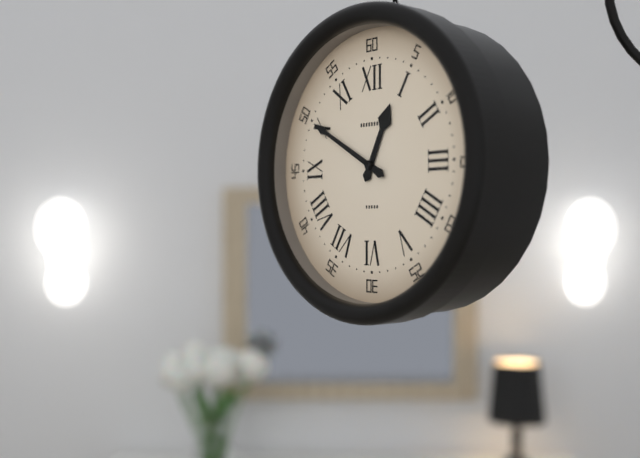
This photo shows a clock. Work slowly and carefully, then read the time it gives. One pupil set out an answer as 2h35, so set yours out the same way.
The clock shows 12h50
